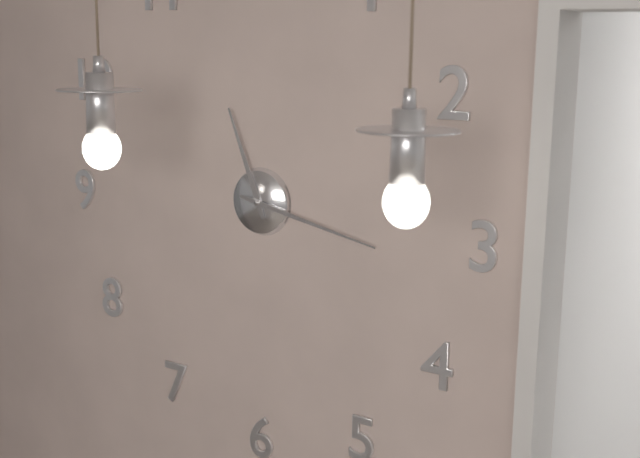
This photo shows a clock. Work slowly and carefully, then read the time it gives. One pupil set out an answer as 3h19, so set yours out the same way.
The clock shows 11h17
